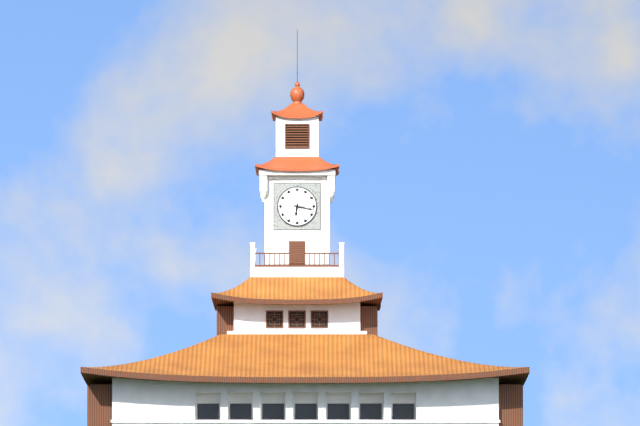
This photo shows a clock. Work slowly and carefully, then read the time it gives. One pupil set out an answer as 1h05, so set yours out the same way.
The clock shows 6h17
